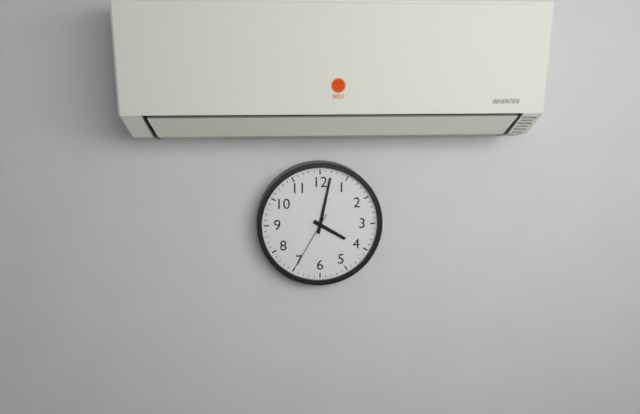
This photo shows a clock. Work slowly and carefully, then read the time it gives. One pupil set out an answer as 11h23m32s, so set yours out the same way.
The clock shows 4h02m35s
